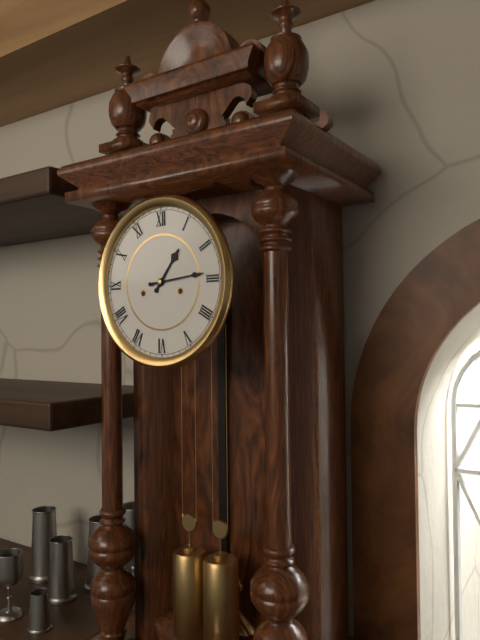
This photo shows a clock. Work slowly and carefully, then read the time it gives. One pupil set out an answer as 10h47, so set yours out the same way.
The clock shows 1h14
